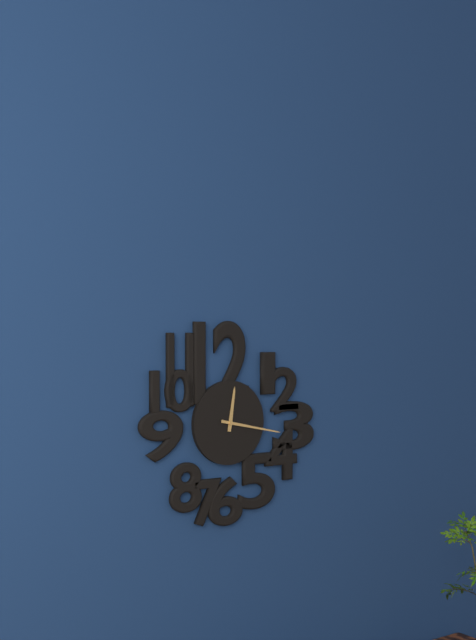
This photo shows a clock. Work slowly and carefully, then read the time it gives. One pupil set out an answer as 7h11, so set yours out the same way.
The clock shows 12h17
